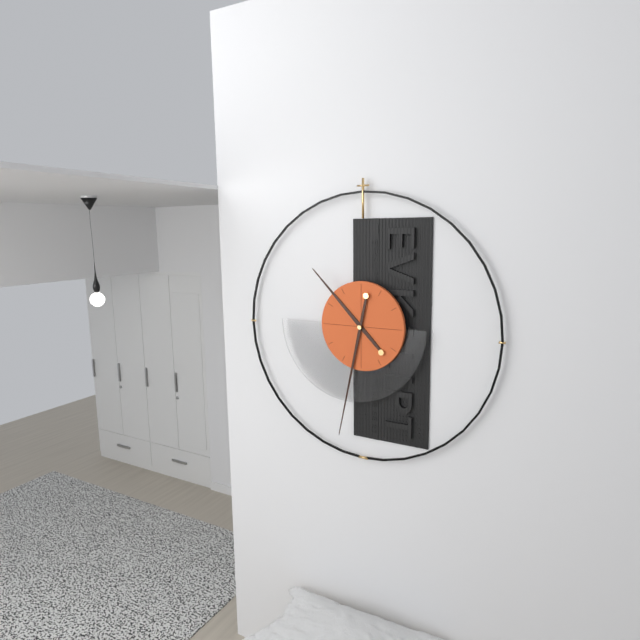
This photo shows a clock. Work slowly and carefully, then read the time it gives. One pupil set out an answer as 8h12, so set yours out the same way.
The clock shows 10h32
